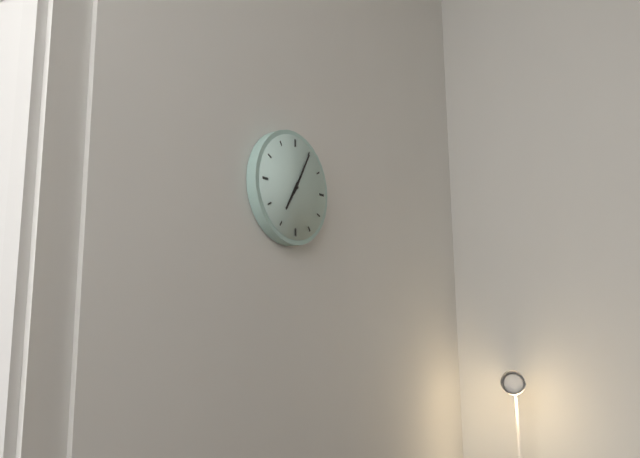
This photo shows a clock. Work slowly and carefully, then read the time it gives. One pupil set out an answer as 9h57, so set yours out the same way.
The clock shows 7h05
